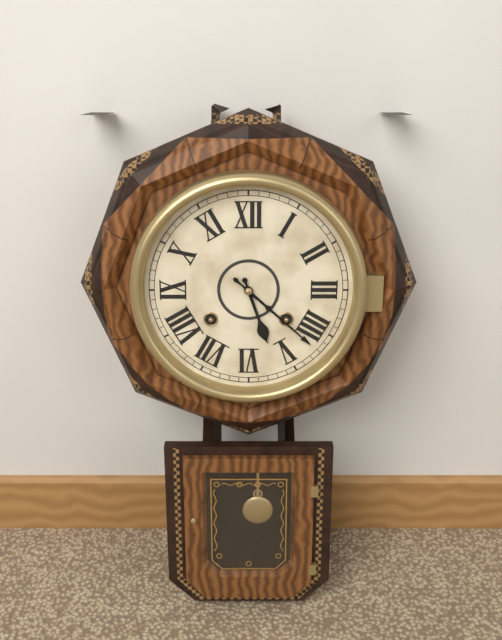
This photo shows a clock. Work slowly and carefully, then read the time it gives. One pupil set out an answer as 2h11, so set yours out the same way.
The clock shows 5h22
